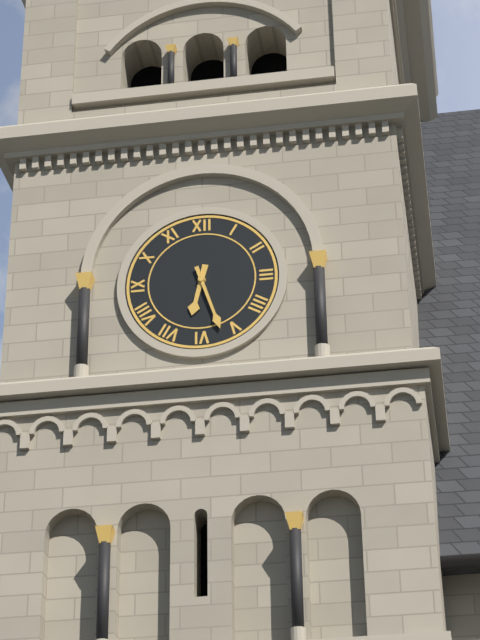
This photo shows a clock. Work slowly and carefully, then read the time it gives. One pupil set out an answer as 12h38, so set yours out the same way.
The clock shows 6h27
